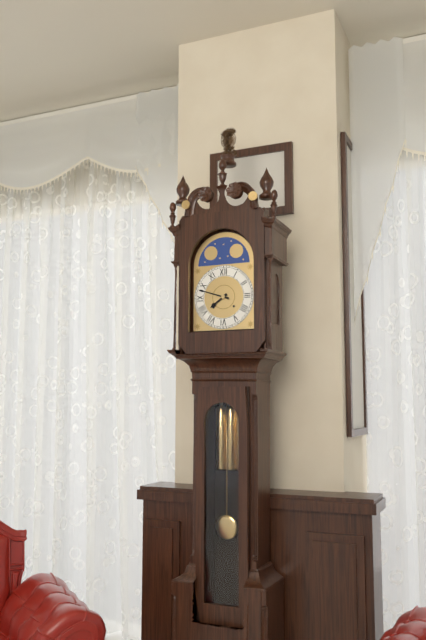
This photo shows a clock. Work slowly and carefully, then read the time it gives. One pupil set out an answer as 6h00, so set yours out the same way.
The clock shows 7h48
